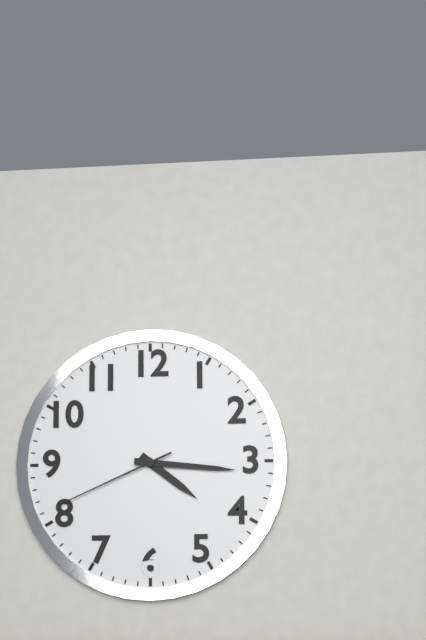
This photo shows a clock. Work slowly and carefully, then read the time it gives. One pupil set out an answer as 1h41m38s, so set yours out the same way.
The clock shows 4h16m41s
